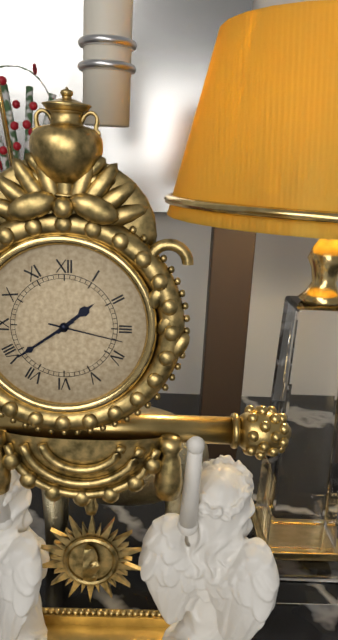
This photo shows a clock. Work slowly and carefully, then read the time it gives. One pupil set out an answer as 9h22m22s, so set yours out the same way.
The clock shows 1h39m17s
